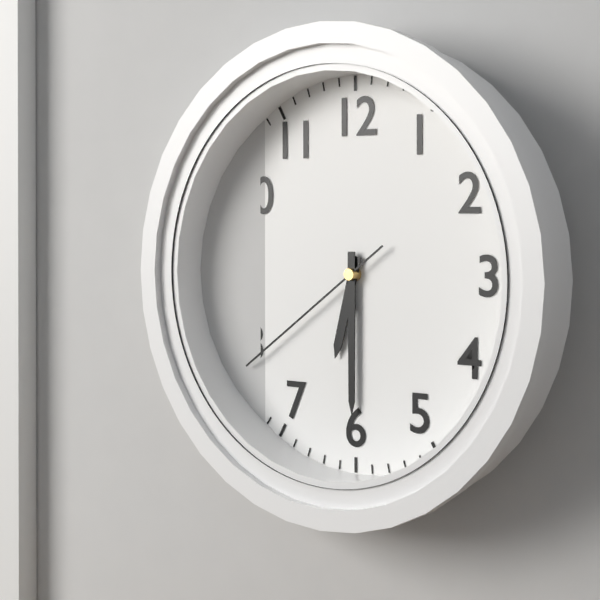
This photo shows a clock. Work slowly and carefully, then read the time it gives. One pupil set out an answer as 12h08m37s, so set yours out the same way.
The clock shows 6h30m39s
